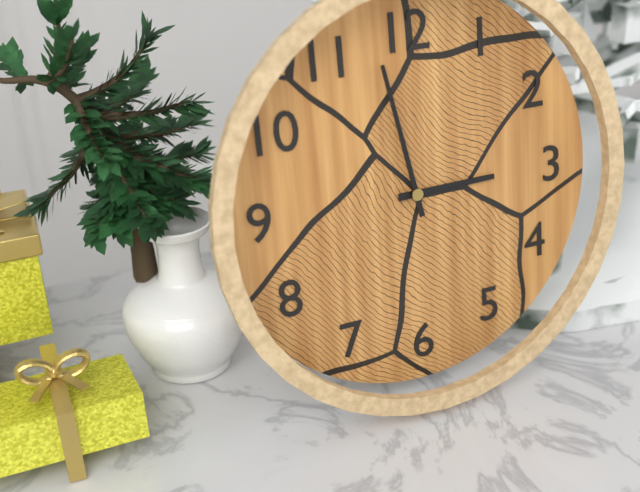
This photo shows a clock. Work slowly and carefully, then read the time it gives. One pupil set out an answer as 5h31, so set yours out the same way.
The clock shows 2h58
